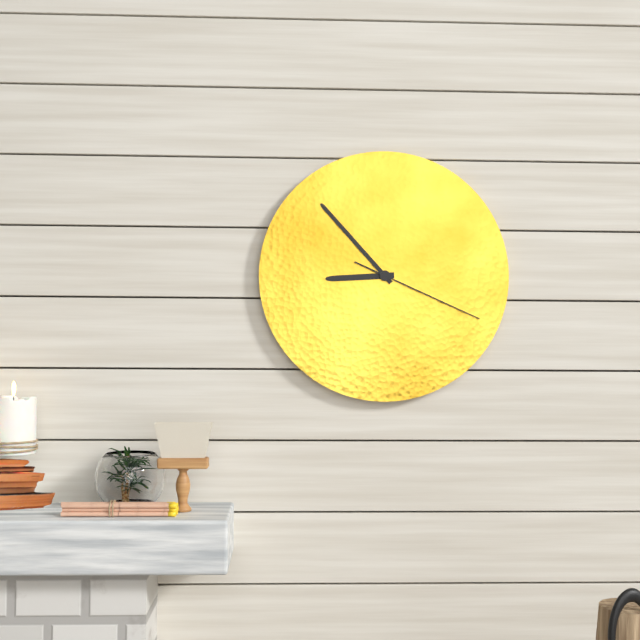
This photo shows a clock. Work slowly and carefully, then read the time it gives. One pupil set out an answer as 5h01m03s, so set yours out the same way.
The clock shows 8h53m19s
